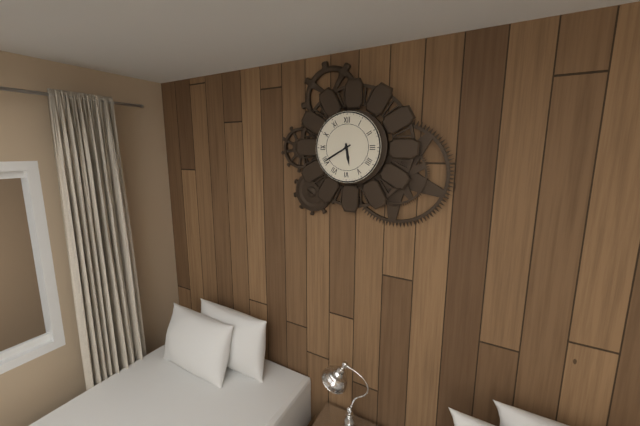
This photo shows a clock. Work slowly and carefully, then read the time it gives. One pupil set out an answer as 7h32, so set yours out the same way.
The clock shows 5h40
